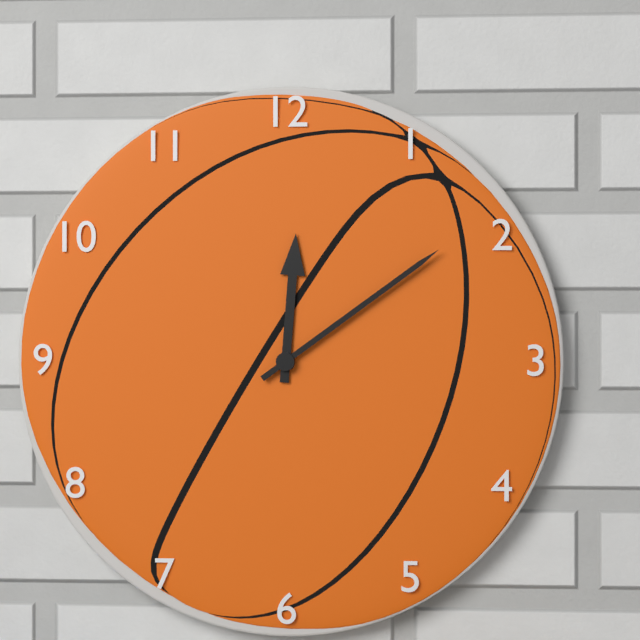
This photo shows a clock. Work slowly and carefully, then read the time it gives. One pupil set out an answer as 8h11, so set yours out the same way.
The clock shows 12h09
